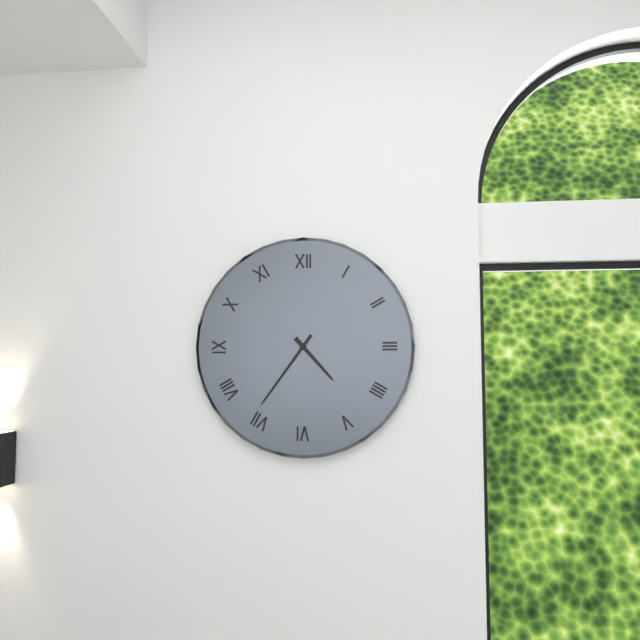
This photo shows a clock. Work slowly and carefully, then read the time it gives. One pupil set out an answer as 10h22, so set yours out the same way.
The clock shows 4h36
